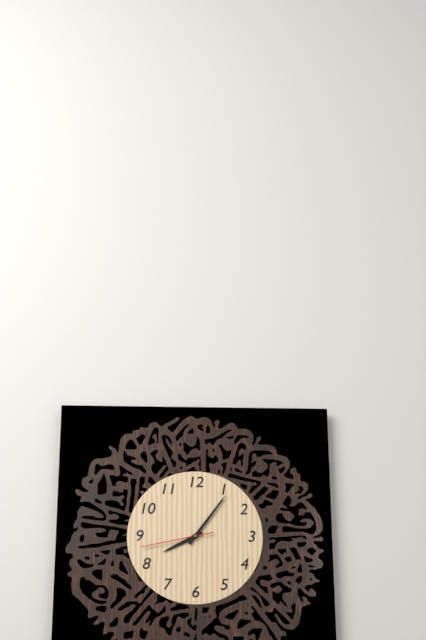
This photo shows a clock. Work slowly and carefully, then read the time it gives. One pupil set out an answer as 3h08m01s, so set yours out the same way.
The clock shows 8h06m43s
